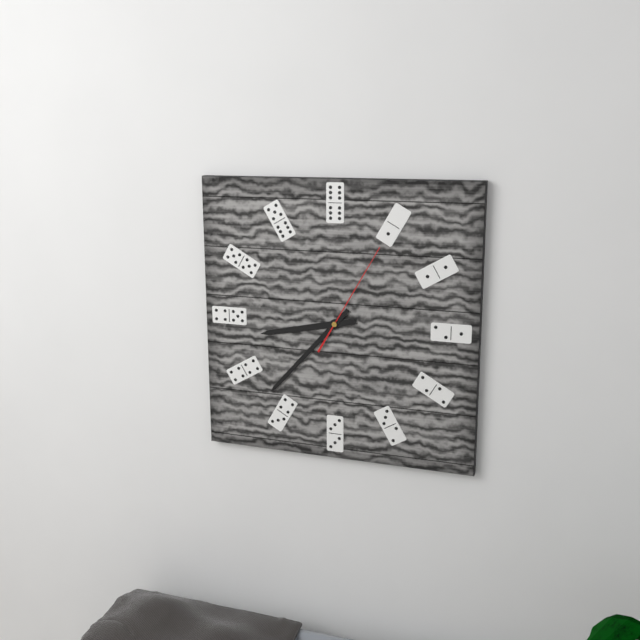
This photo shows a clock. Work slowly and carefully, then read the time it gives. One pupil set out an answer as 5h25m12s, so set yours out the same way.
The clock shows 8h37m05s
